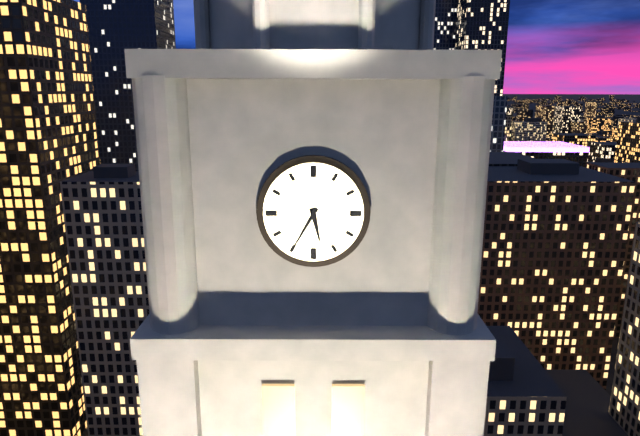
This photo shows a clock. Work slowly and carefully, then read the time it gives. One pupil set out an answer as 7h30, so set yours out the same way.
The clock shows 5h35
